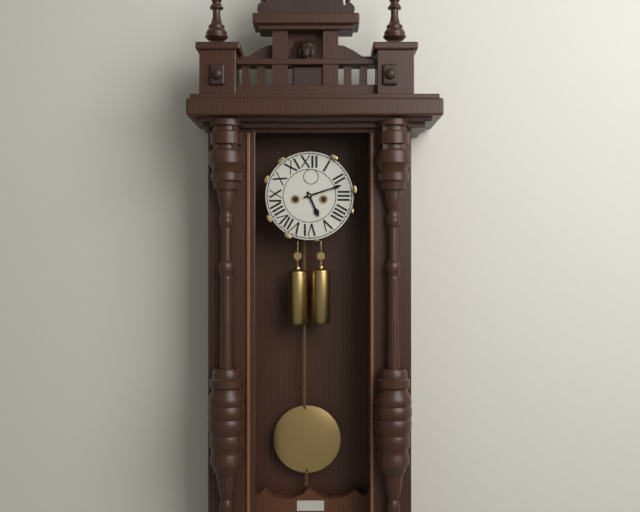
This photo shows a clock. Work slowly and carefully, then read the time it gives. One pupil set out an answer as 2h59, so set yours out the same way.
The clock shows 5h12
